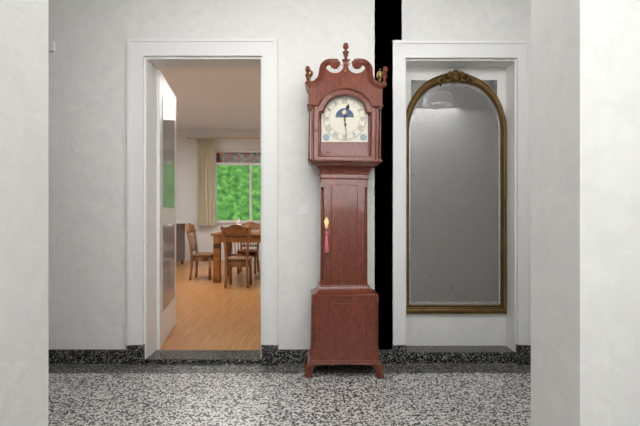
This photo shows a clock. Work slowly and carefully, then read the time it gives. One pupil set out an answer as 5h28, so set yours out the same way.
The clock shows 12h29
